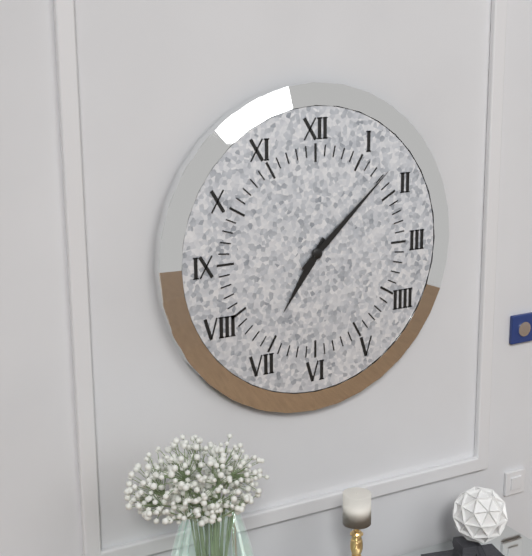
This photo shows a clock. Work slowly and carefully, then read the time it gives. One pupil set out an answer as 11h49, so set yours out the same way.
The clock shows 7h08
